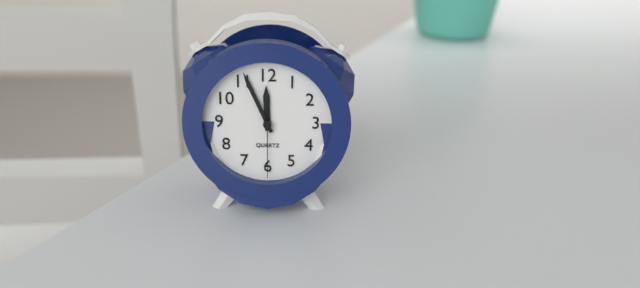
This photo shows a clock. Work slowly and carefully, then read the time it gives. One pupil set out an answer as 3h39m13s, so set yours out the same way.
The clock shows 11h56m30s
